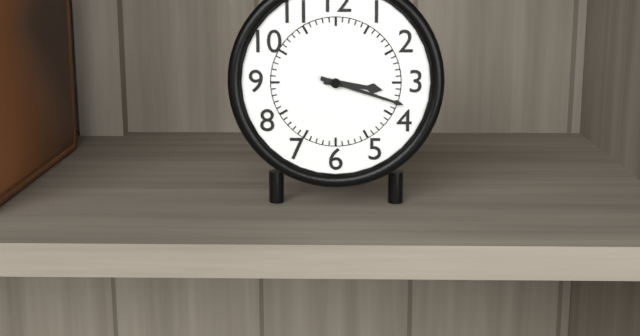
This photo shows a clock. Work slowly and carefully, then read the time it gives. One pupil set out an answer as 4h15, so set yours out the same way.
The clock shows 3h18
